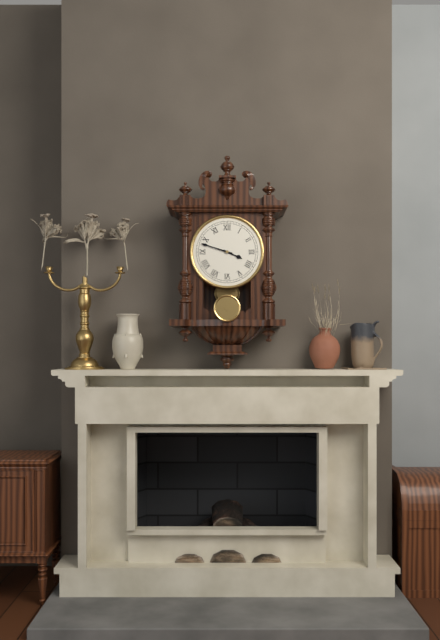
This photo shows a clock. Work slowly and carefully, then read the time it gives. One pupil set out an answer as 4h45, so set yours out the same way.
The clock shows 3h48
